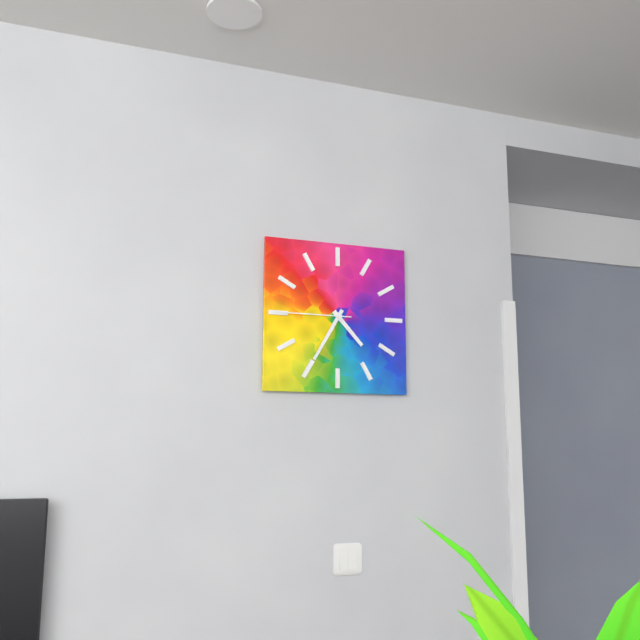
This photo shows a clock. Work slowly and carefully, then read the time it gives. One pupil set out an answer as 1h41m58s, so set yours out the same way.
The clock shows 4h35m45s
